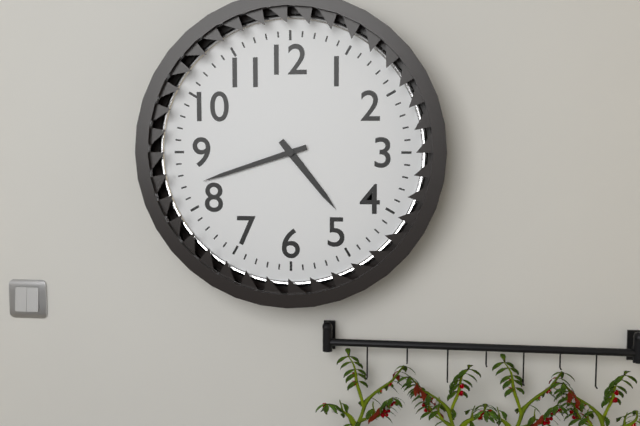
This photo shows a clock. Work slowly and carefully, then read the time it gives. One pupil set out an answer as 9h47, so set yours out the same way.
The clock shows 4h42
